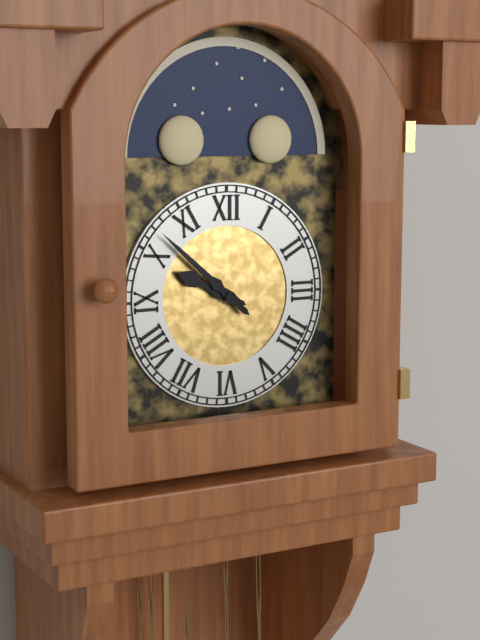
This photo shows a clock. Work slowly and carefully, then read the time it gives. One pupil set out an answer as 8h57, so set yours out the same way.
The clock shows 9h52
